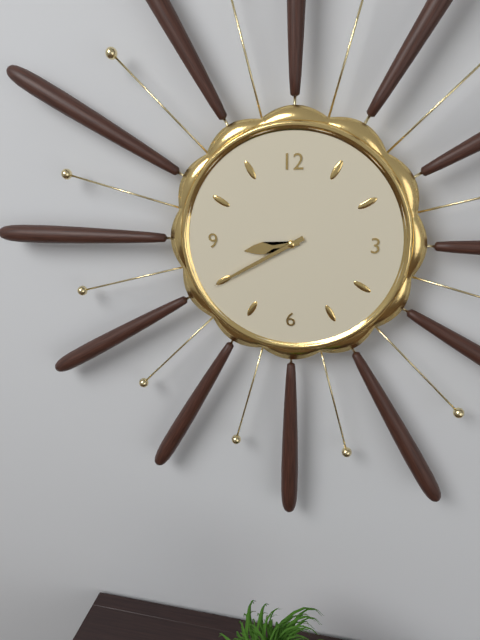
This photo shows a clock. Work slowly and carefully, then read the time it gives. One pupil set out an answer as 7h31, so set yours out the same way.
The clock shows 8h40
